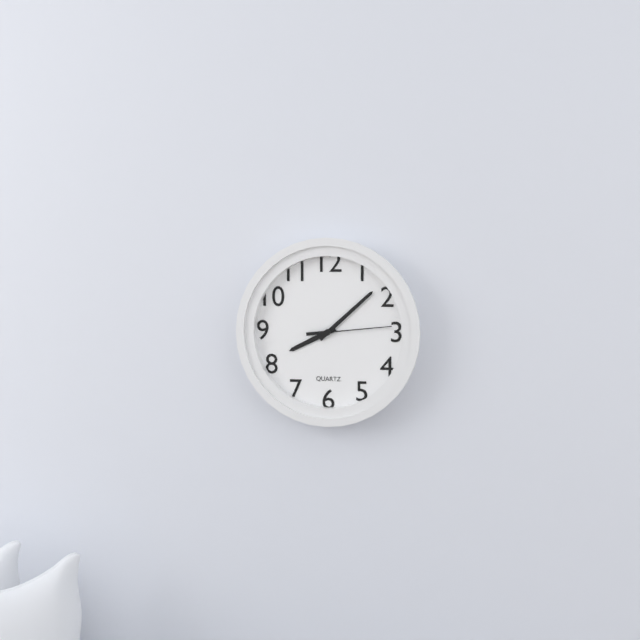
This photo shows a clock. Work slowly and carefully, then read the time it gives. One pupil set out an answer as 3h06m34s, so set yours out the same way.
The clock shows 8h08m14s
